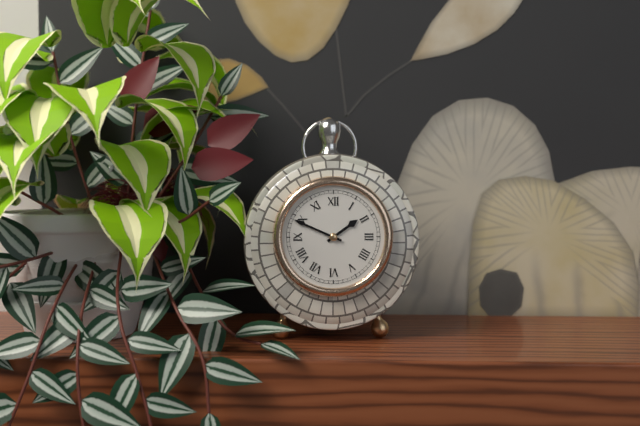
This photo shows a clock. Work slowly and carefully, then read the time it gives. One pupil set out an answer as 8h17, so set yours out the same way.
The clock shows 1h49
